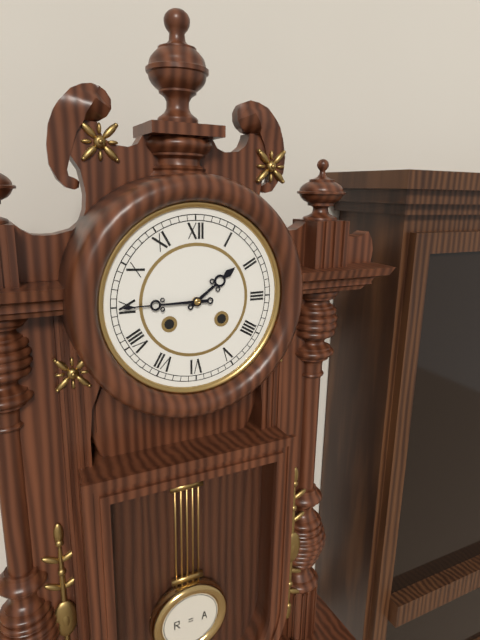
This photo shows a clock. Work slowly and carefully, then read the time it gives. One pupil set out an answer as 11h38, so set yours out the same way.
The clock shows 1h45
